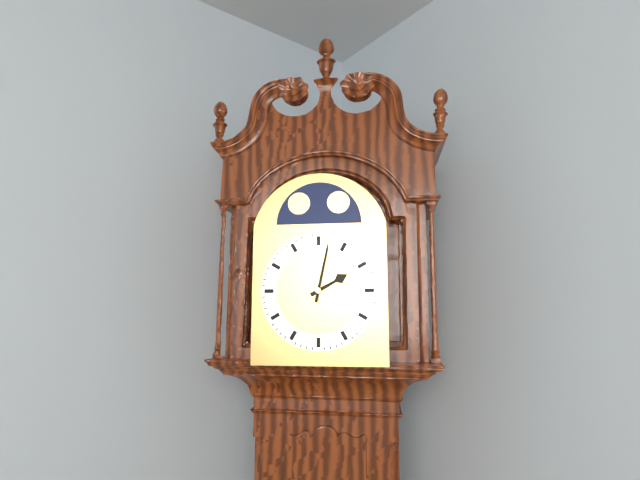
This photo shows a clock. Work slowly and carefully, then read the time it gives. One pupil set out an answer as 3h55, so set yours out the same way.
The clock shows 2h02
